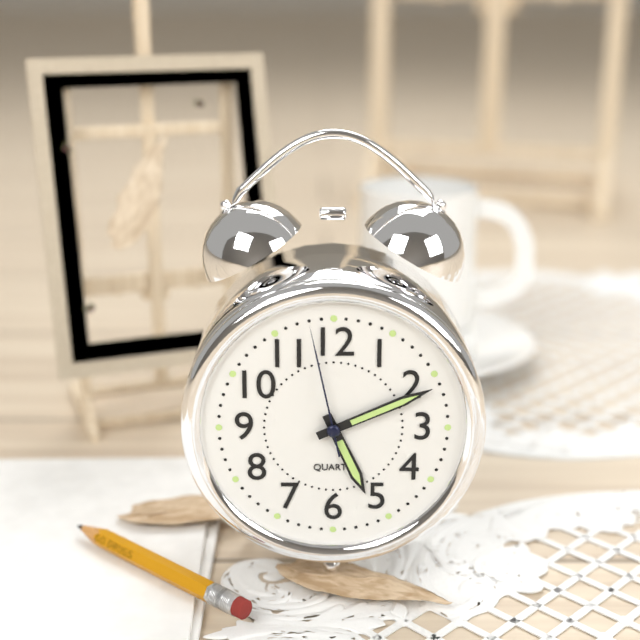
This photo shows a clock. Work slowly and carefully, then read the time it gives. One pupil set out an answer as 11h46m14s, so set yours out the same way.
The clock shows 5h11m58s
